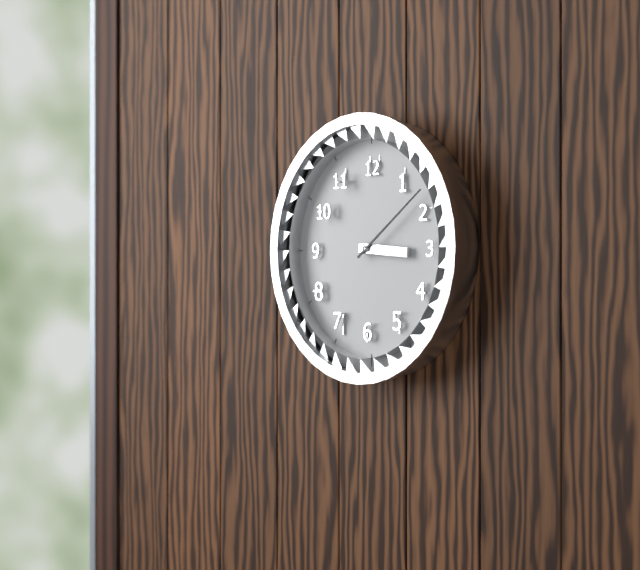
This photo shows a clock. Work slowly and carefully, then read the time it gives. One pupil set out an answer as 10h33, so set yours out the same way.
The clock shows 3h09
